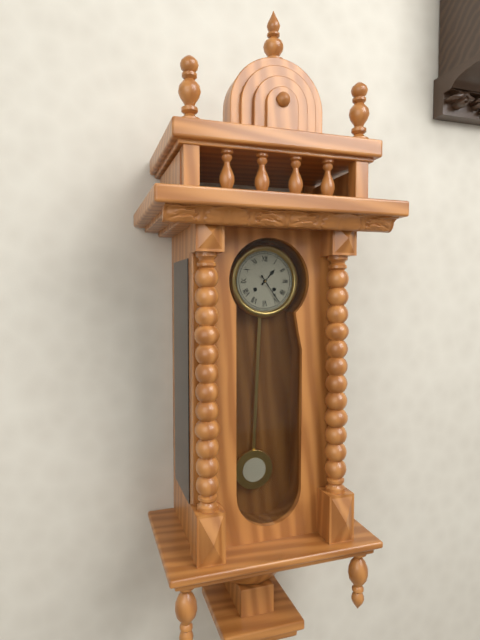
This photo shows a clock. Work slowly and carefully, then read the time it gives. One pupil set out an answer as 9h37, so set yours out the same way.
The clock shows 1h24
